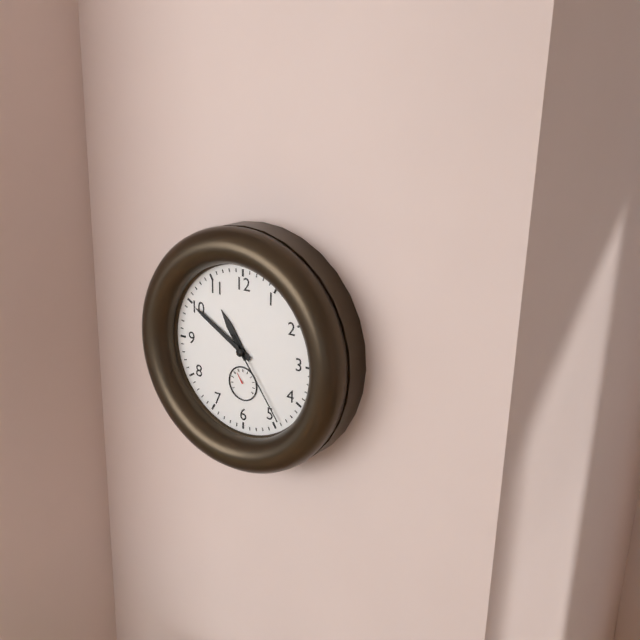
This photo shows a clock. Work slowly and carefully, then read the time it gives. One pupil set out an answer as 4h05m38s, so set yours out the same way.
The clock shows 10h50m24s
